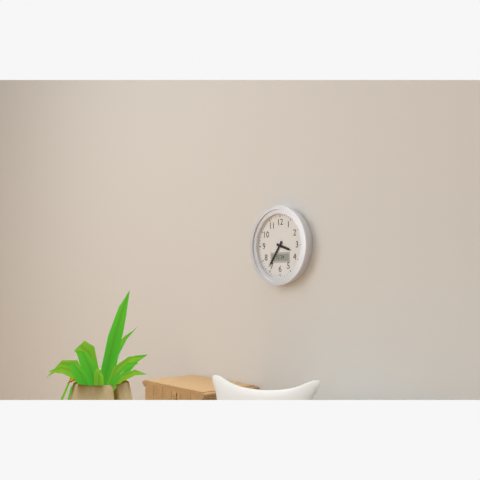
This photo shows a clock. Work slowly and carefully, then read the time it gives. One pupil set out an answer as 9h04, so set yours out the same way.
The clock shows 3h36
